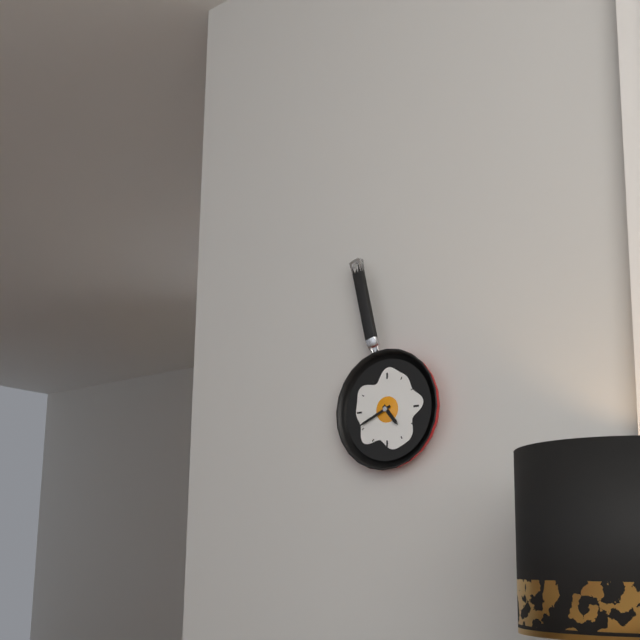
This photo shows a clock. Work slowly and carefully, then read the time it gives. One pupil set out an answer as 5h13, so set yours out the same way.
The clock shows 4h41
